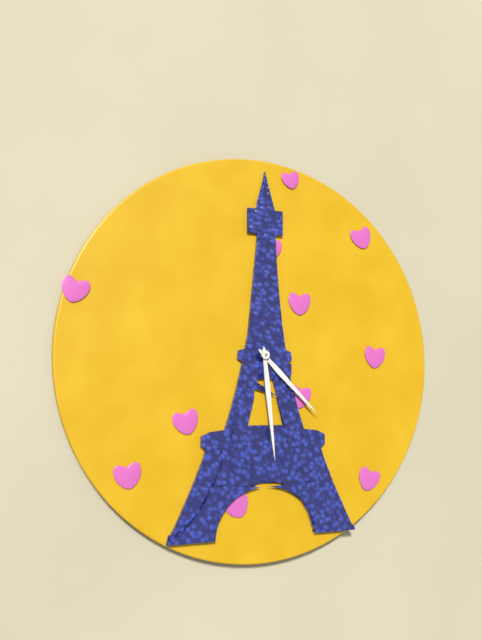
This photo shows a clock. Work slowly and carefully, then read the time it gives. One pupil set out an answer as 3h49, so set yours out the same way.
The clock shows 4h29
